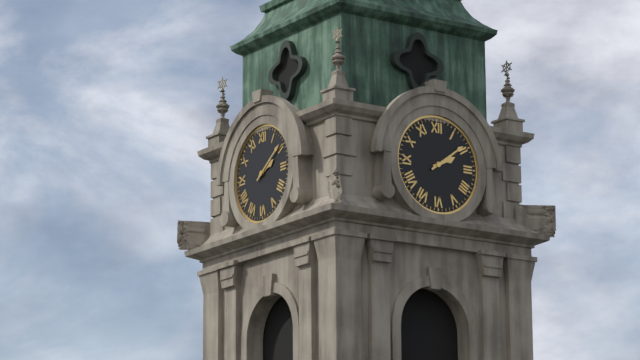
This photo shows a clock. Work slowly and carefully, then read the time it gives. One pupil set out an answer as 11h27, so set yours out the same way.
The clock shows 2h09
